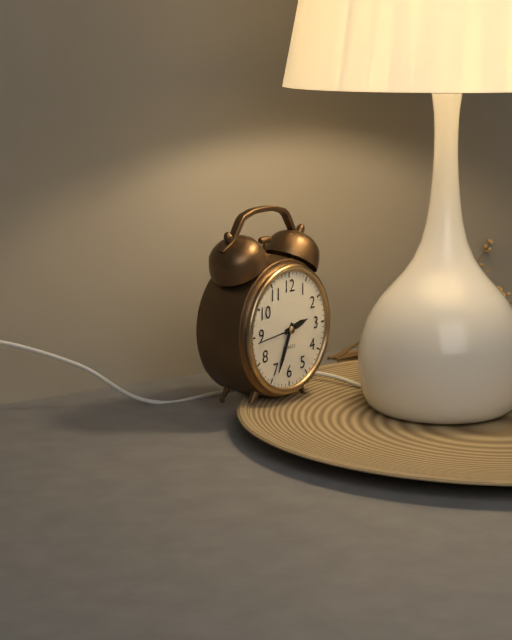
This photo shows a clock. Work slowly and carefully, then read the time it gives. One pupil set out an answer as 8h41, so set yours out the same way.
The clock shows 2h34
